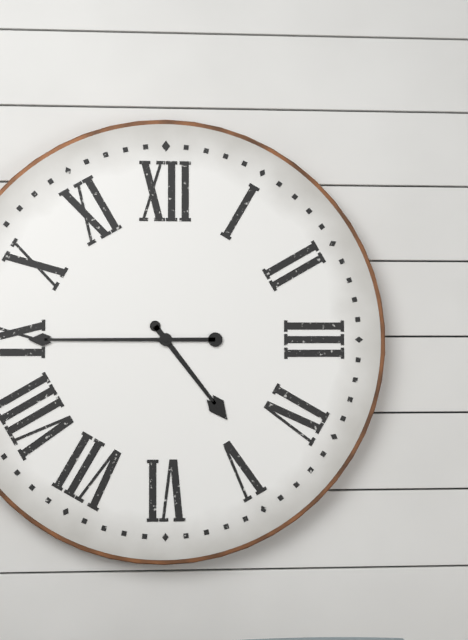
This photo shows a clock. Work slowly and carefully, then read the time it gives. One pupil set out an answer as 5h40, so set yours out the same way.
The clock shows 4h45
